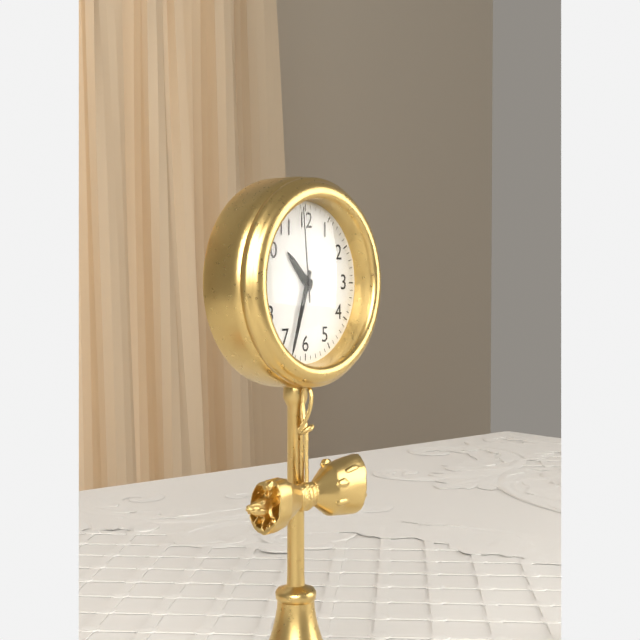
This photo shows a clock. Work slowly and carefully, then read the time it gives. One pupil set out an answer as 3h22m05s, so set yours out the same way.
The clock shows 10h33m59s
